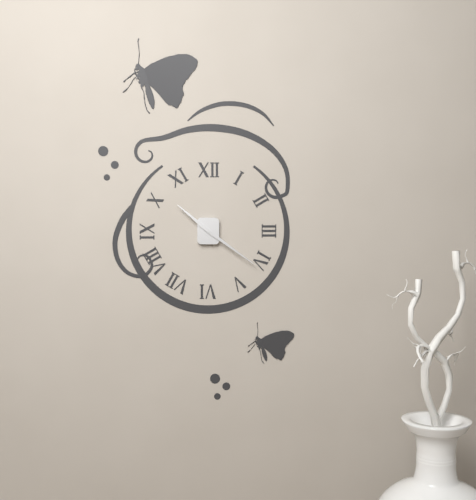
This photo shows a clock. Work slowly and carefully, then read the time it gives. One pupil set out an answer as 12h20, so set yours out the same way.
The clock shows 10h21
